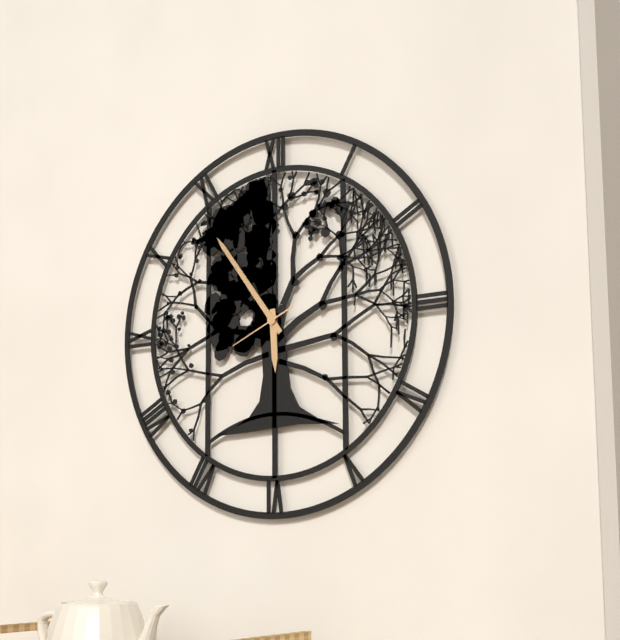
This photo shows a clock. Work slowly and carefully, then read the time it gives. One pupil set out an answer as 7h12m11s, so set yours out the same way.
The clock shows 5h54m41s
